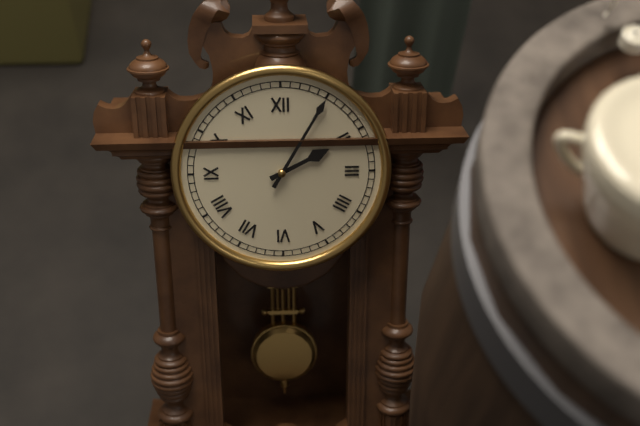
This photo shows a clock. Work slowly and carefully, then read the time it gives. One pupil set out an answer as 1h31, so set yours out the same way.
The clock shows 2h05
